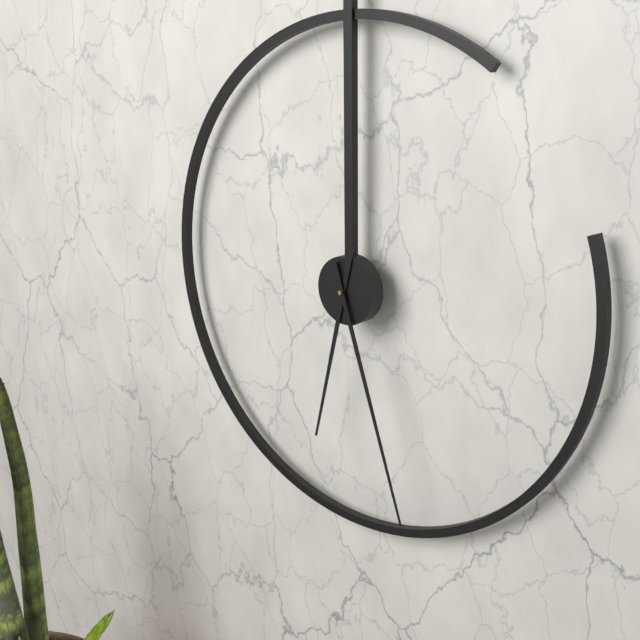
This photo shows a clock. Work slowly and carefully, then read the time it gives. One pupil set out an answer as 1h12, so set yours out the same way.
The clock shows 6h27
